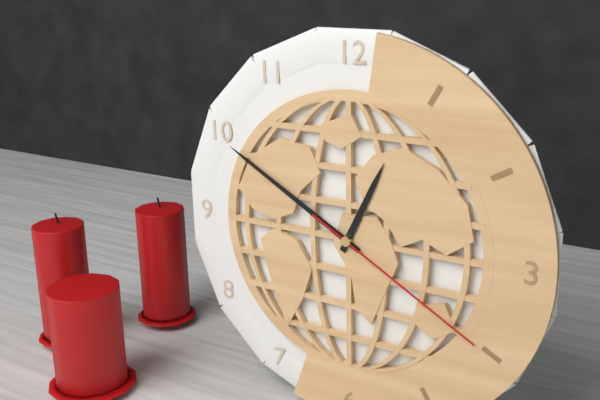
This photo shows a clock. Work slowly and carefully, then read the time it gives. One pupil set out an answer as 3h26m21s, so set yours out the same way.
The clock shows 12h50m20s
